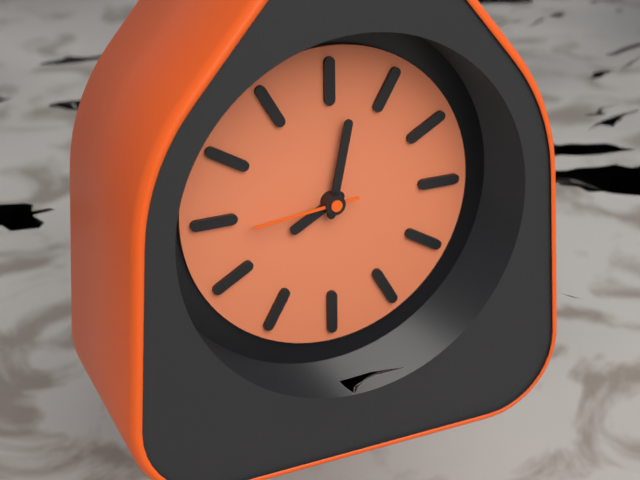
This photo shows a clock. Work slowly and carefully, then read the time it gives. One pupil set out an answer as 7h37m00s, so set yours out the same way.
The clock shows 8h02m44s
